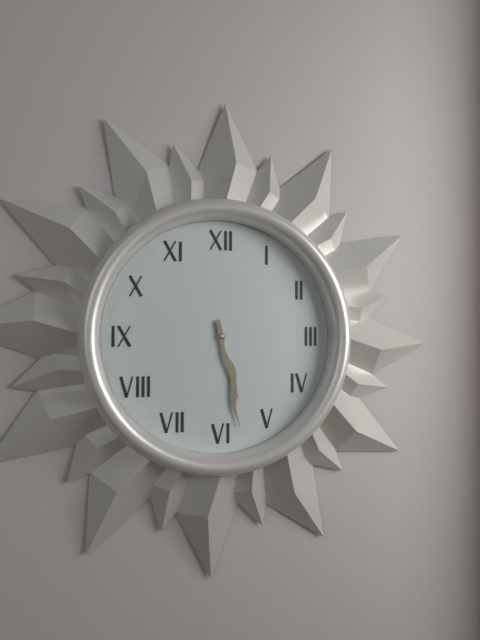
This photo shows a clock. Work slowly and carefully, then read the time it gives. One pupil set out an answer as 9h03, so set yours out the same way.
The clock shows 5h28
